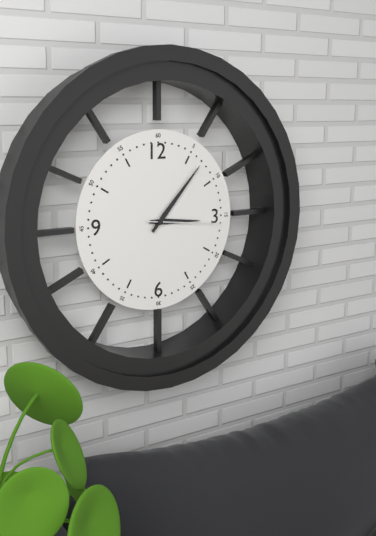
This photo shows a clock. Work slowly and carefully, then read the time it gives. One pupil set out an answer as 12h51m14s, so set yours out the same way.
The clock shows 3h07m16s
